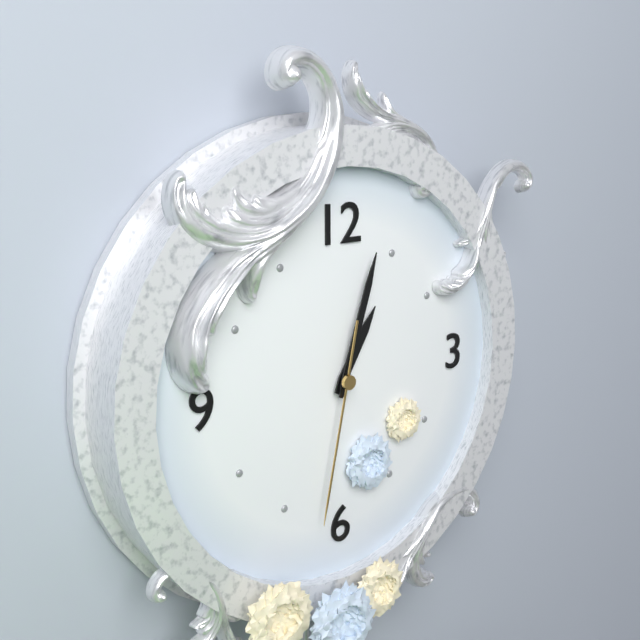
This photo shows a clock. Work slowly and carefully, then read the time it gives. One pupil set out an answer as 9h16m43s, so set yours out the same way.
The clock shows 1h03m32s
